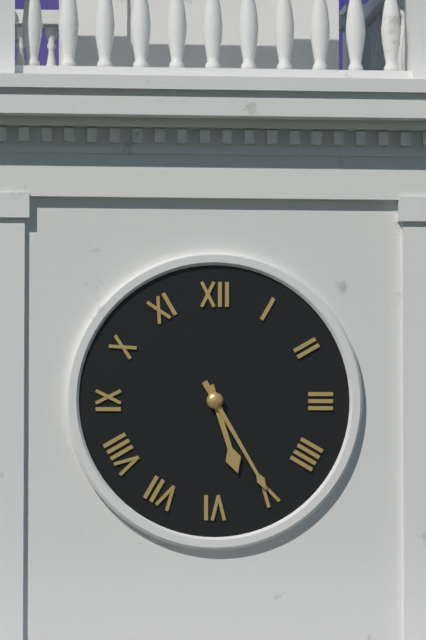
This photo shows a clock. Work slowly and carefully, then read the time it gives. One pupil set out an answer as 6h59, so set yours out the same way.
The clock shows 5h25
